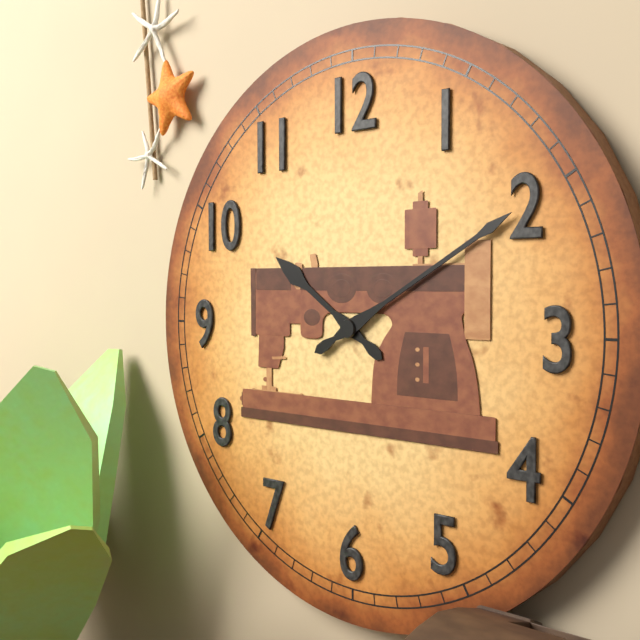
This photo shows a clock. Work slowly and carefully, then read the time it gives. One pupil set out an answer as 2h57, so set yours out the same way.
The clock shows 10h10
